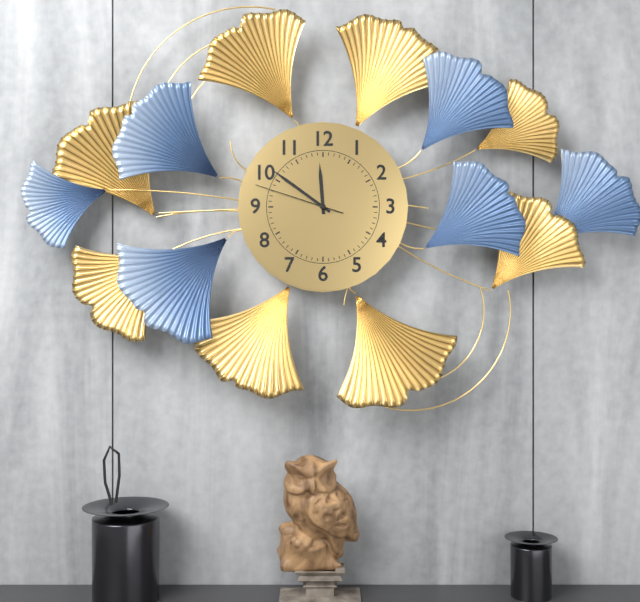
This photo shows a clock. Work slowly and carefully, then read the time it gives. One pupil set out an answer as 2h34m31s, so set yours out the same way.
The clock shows 11h51m48s
